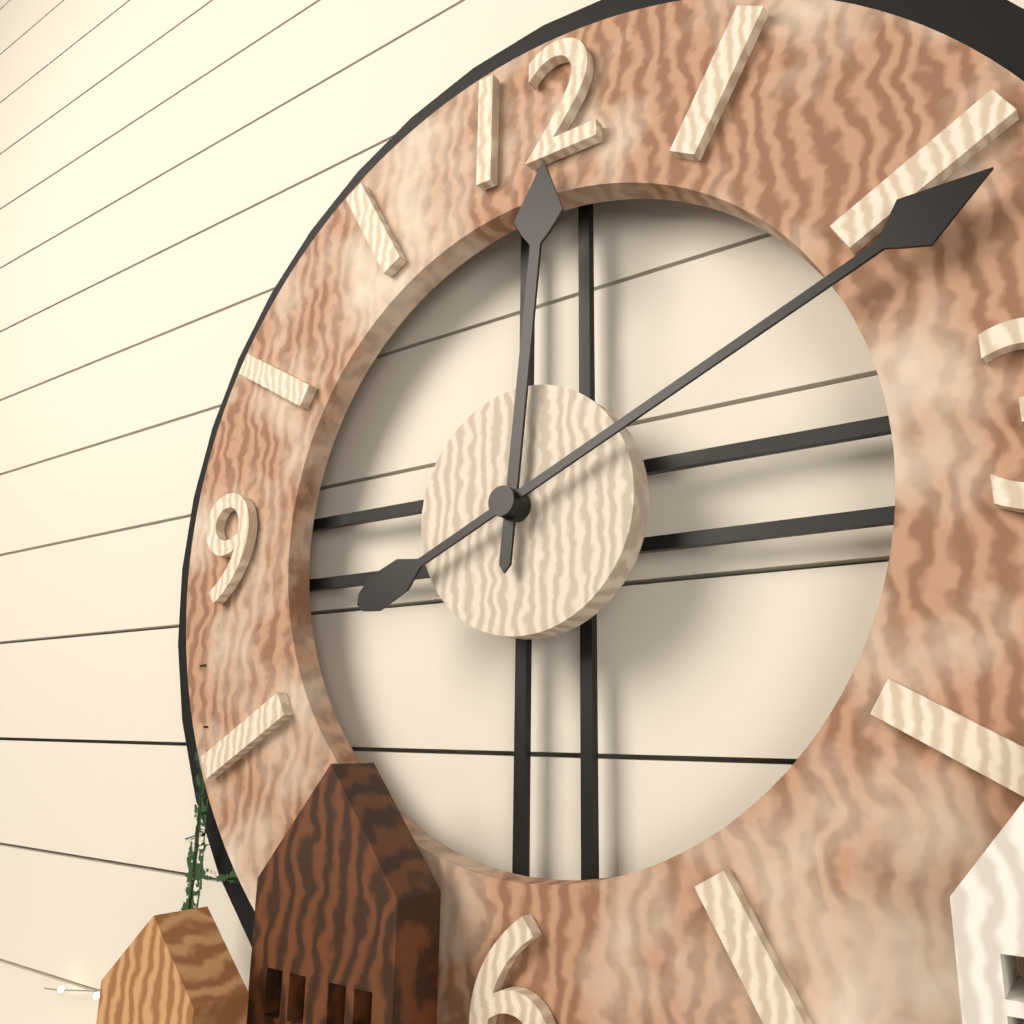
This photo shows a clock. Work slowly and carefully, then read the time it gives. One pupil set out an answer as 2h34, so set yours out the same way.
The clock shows 12h11
